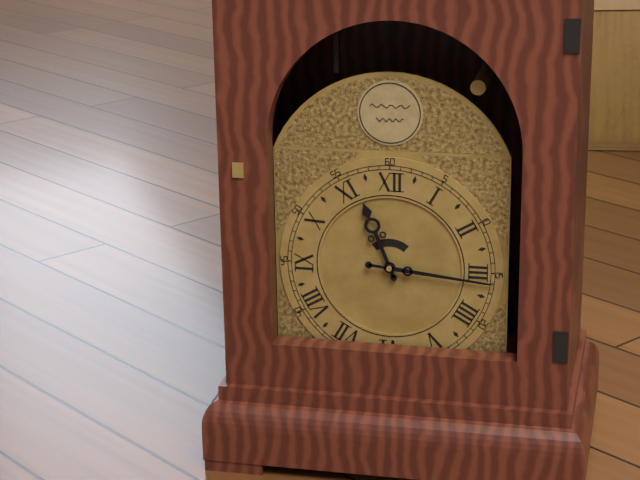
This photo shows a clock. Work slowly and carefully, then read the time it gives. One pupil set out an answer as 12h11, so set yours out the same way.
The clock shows 11h16
